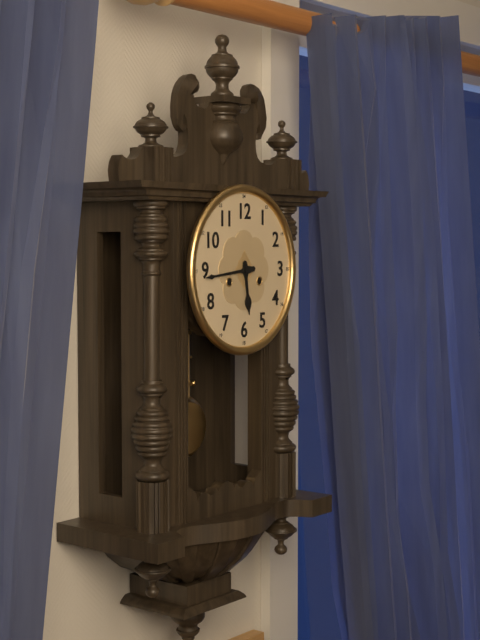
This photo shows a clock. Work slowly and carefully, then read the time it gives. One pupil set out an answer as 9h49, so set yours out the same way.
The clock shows 5h44
